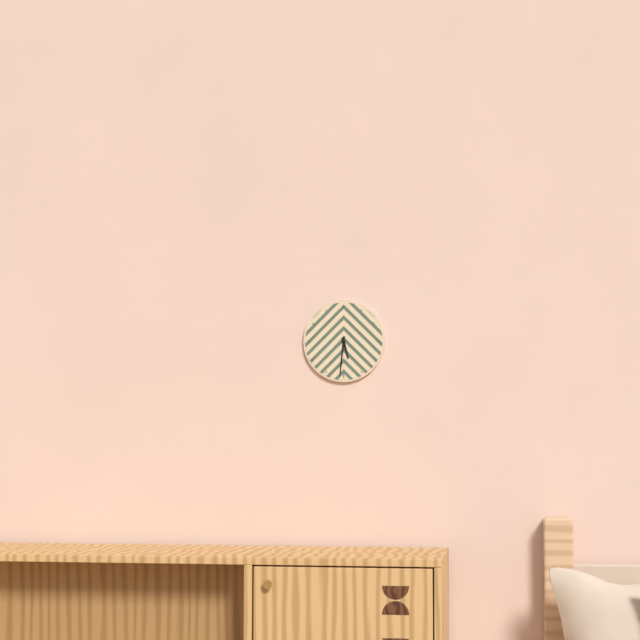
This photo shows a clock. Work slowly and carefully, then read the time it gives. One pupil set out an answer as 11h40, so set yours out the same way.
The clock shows 5h31
